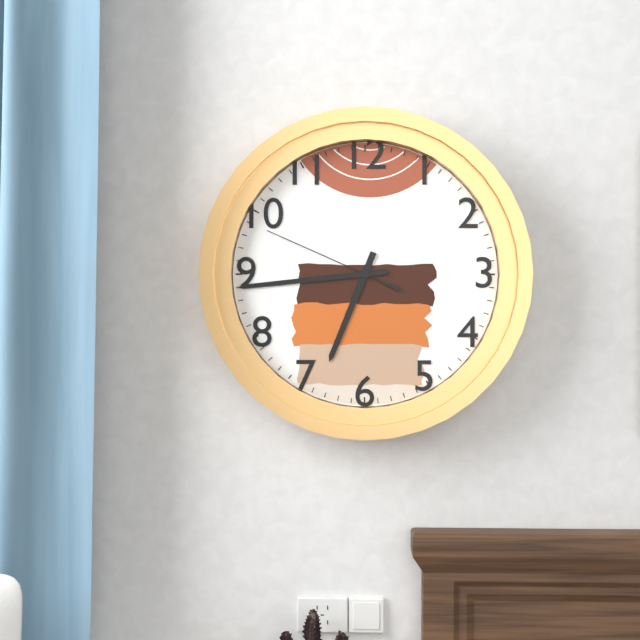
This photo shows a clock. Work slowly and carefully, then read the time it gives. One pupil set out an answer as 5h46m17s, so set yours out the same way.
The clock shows 6h44m49s
